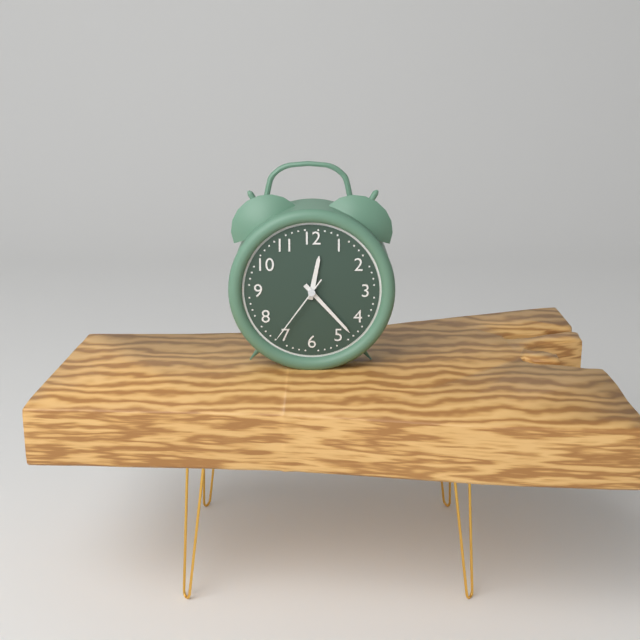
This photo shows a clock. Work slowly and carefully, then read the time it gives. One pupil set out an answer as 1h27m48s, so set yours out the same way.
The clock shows 12h23m36s
